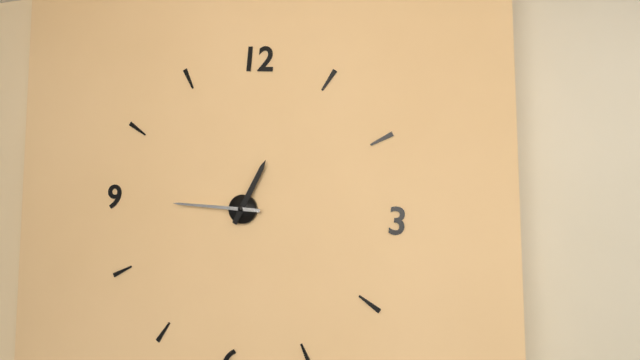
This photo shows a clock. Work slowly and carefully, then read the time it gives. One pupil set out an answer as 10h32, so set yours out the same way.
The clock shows 12h45
